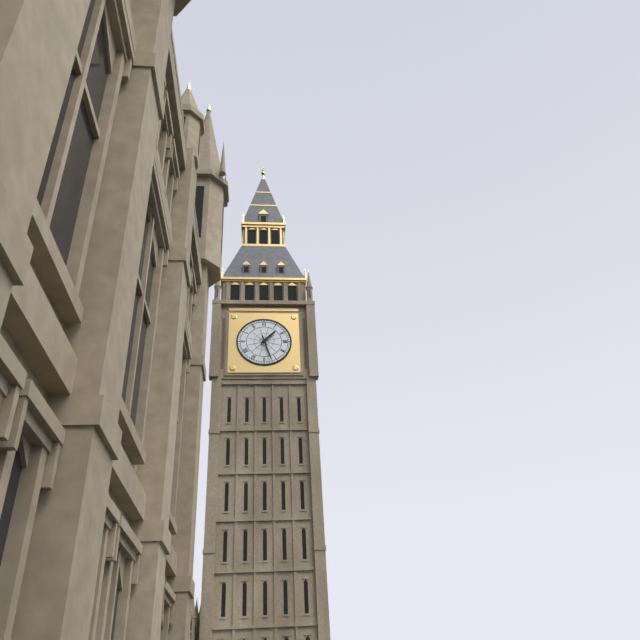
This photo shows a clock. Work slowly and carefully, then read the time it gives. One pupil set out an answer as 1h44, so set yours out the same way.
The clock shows 1h27
